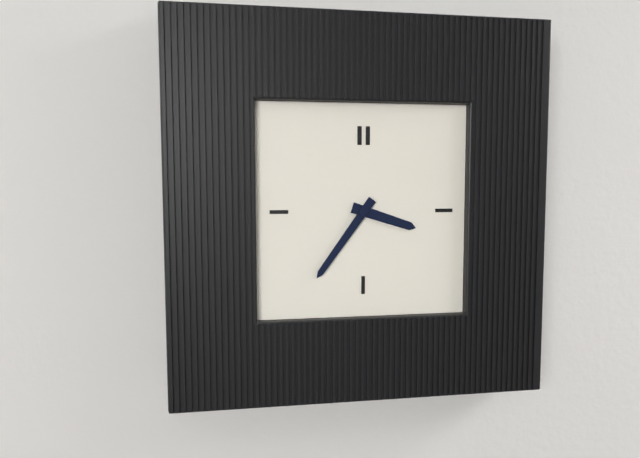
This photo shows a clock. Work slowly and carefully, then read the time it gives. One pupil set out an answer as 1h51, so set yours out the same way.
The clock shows 3h36
